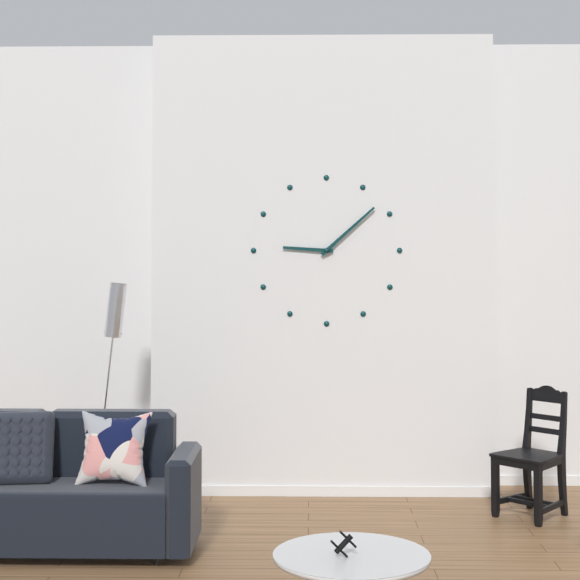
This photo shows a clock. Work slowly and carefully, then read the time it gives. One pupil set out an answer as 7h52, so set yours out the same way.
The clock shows 9h08
